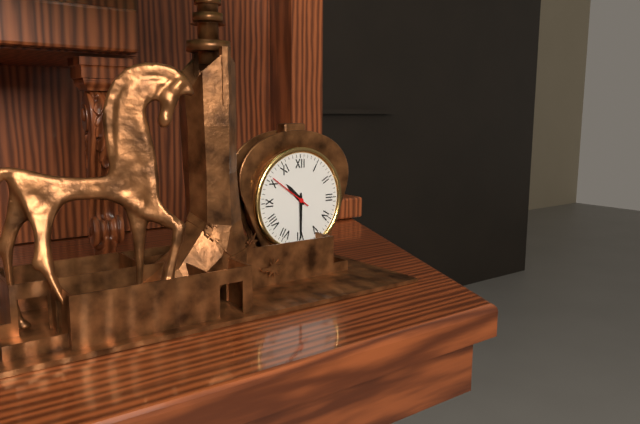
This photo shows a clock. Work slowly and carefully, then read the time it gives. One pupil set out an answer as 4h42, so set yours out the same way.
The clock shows 10h30
